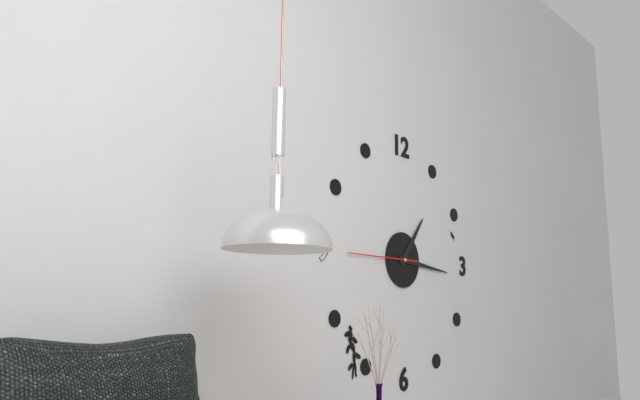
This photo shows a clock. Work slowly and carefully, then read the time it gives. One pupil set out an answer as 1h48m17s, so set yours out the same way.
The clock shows 1h16m45s
